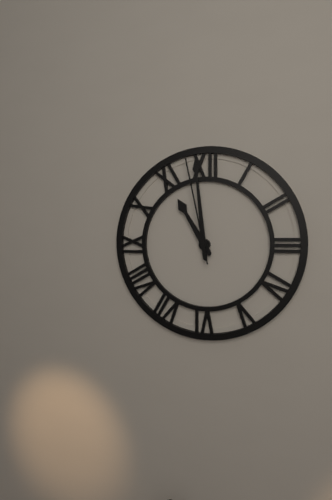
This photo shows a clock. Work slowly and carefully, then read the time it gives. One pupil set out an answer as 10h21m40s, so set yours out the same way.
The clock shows 10h59m58s
